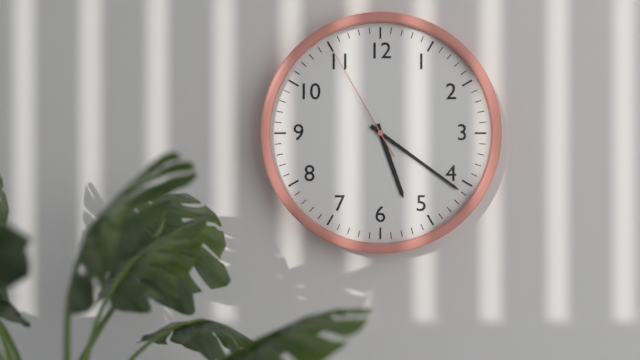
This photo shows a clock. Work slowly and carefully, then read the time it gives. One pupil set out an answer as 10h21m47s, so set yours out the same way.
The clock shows 5h21m55s
